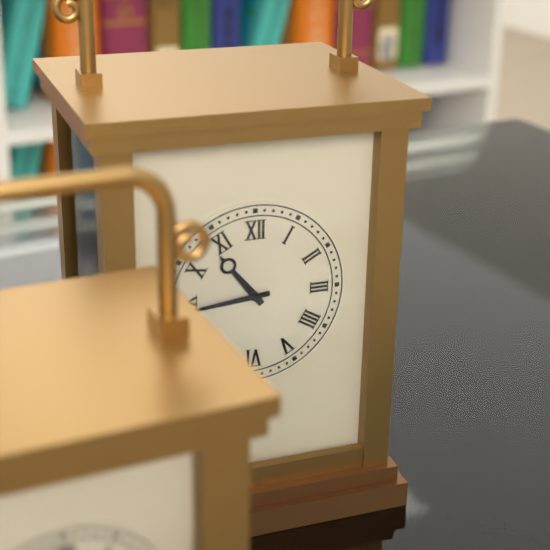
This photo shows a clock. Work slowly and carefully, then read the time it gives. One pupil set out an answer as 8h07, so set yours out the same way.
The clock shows 10h44
